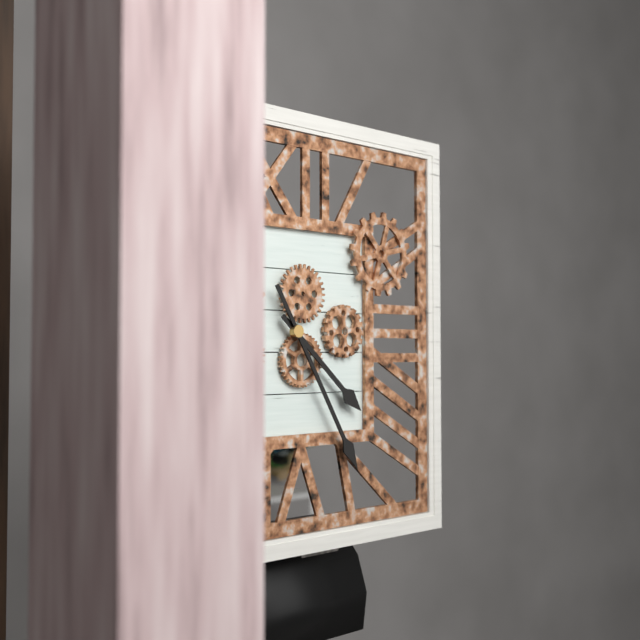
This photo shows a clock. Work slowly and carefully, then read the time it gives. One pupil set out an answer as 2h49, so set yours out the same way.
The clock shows 4h25
